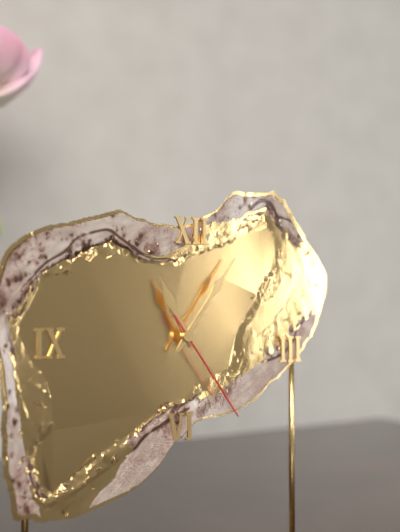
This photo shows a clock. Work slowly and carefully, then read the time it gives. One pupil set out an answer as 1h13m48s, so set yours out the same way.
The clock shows 11h06m24s
